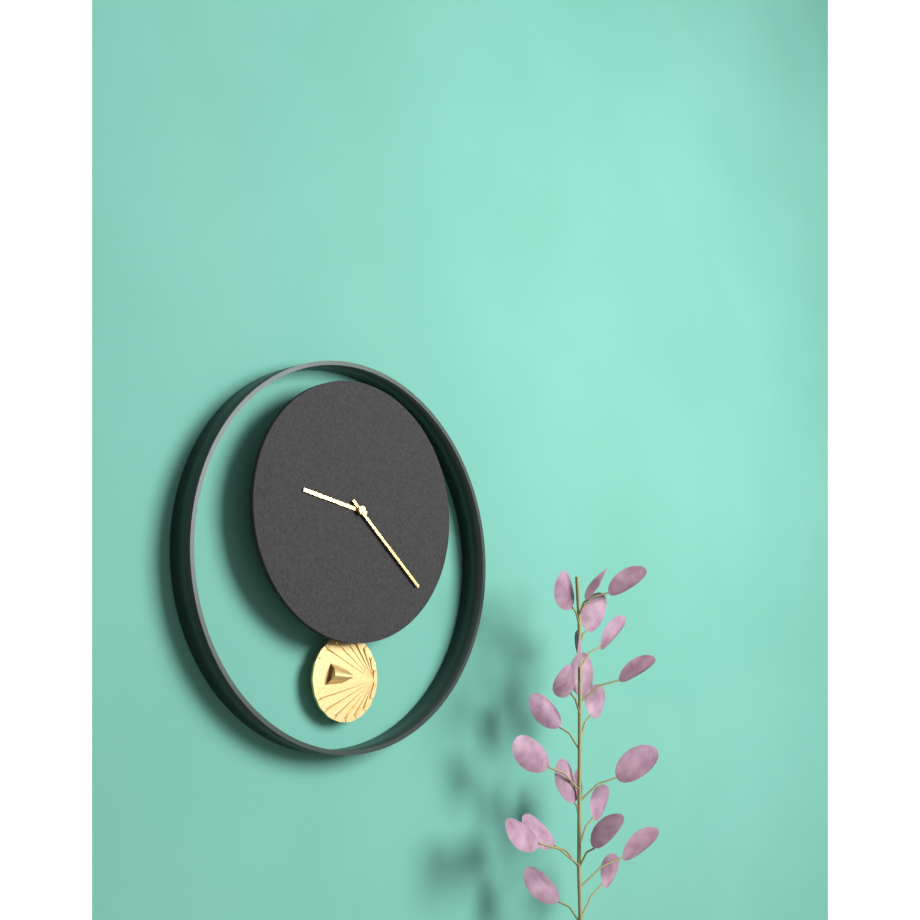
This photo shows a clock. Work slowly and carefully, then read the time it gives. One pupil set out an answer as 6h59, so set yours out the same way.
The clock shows 9h22
